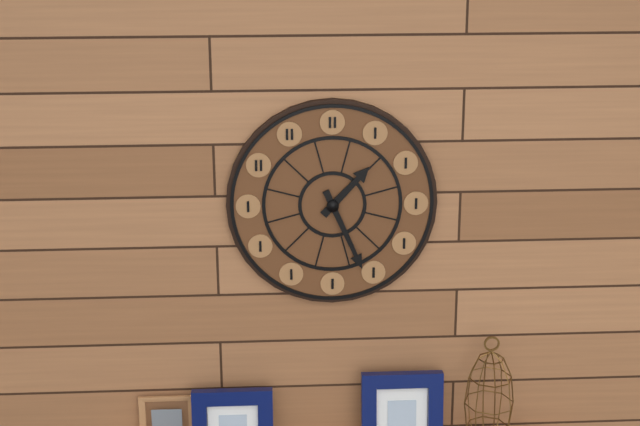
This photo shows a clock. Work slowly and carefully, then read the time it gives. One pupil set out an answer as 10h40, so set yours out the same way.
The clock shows 1h26
